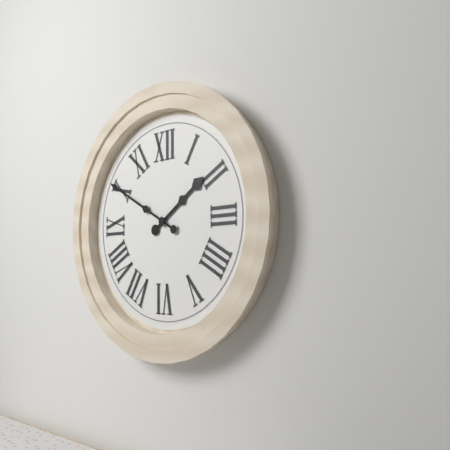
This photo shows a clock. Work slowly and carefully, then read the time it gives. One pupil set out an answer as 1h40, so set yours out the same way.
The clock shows 1h50
